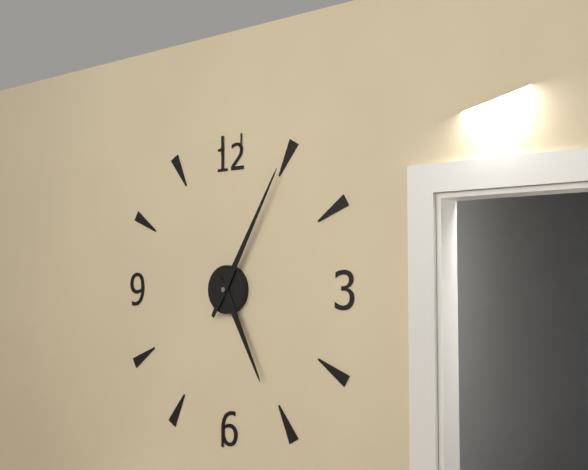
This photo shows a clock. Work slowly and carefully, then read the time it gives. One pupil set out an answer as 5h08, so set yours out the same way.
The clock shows 5h05
